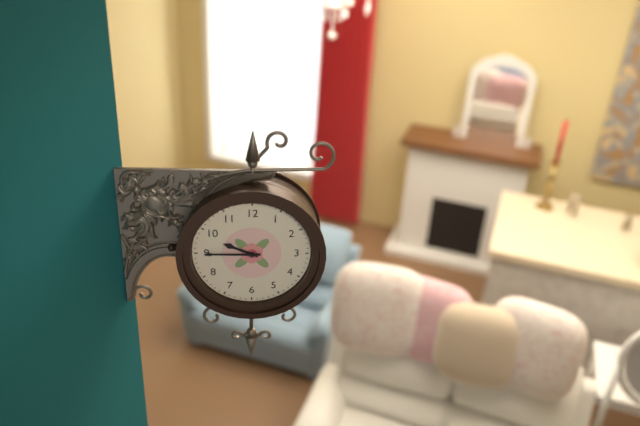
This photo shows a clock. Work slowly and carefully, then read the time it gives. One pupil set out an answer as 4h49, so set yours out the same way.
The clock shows 9h45
